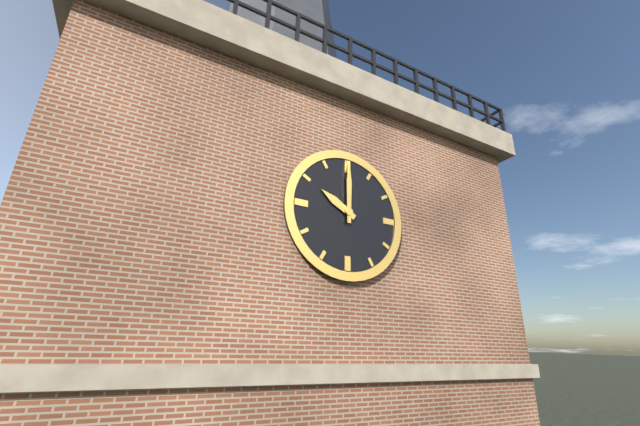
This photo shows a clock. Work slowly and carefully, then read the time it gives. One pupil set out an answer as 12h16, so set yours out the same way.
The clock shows 10h00
